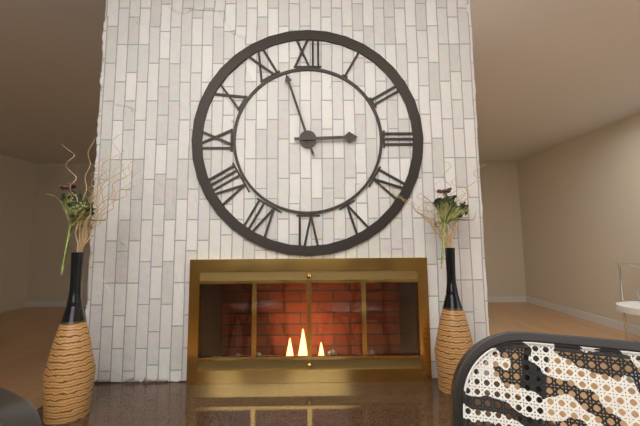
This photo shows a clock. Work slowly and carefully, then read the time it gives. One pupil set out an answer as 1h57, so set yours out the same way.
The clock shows 2h57
